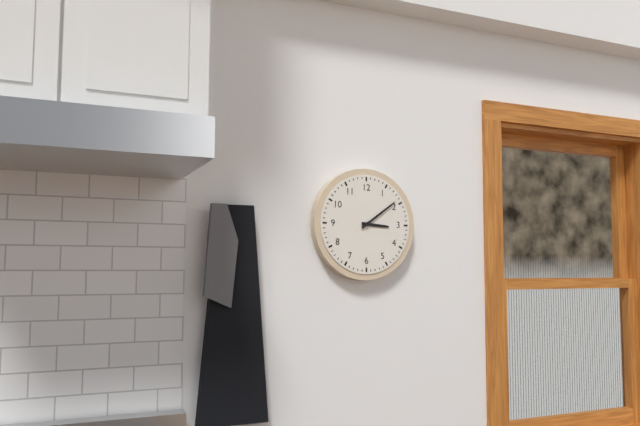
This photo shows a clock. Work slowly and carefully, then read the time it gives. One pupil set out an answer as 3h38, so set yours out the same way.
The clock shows 3h09
